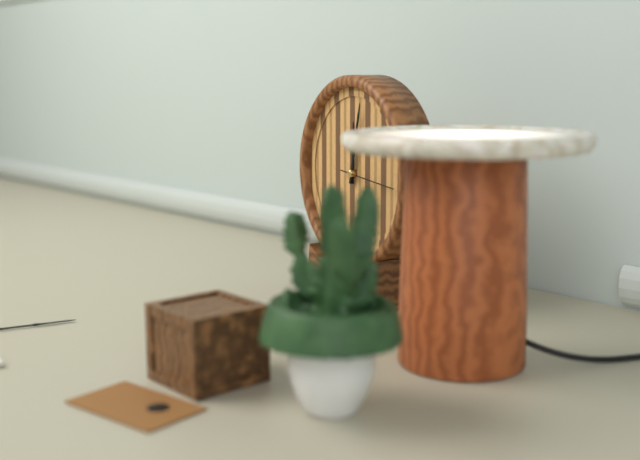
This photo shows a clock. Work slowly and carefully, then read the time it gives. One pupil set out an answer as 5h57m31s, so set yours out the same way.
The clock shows 12h02m16s
